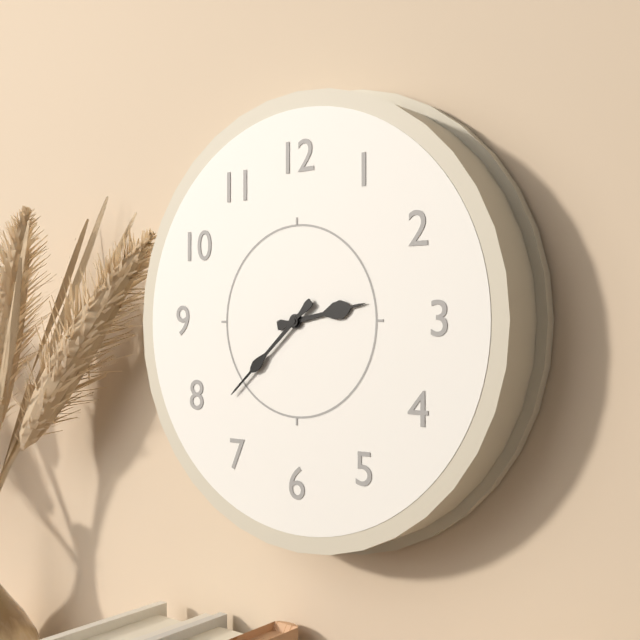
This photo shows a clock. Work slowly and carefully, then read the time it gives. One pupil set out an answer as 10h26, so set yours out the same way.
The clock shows 2h38
